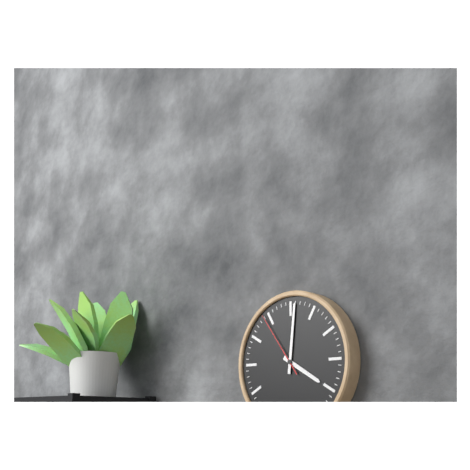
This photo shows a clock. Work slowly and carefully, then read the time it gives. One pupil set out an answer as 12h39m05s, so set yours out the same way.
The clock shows 4h01m54s
